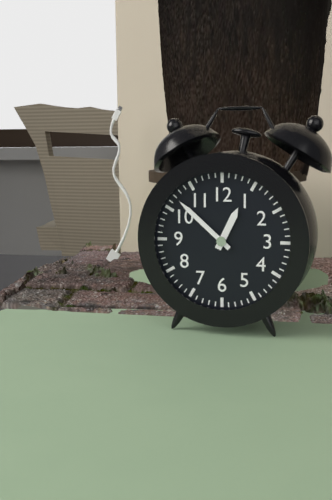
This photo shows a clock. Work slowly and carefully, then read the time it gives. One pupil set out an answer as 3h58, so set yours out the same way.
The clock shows 12h52
